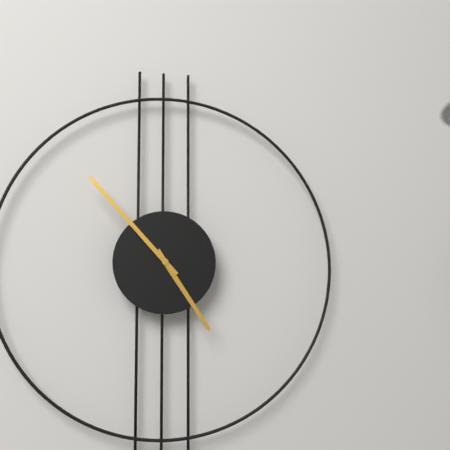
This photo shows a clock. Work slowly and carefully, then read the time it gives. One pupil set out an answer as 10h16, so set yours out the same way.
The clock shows 4h53
